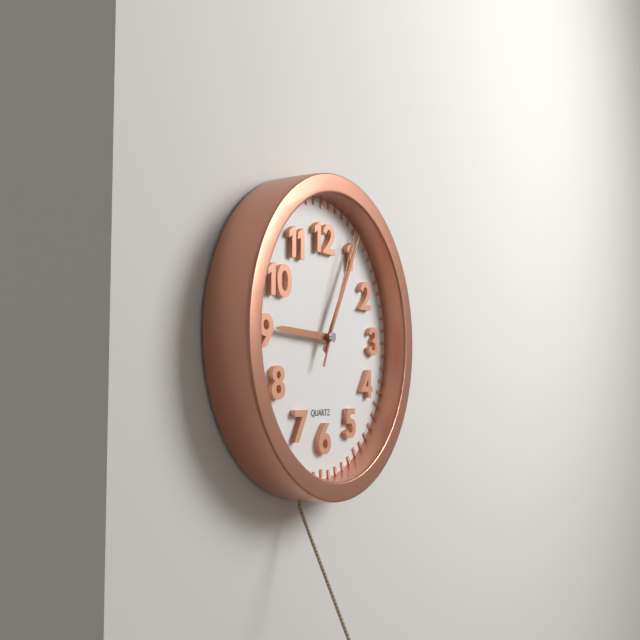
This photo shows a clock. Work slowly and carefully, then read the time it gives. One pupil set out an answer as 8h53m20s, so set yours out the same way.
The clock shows 9h05m04s
